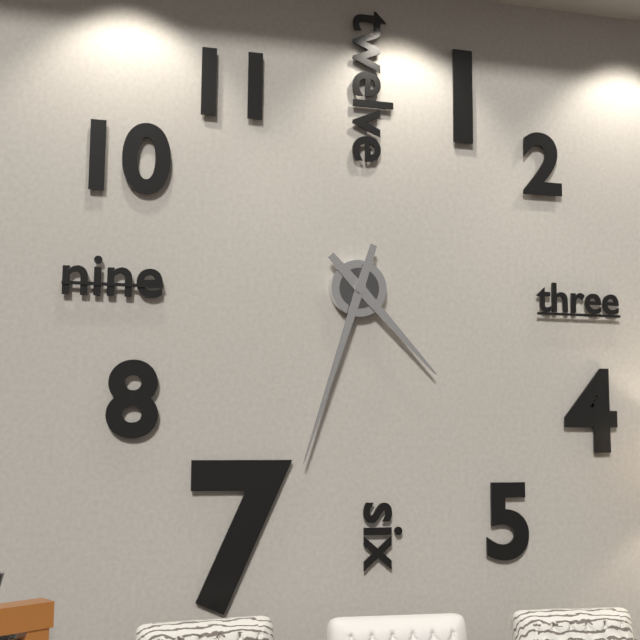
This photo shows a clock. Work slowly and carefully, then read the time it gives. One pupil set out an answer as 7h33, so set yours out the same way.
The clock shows 4h33
